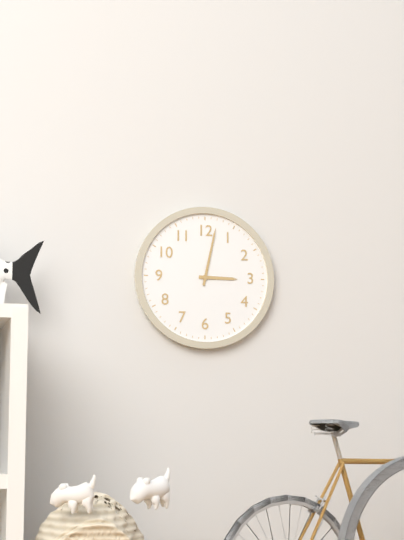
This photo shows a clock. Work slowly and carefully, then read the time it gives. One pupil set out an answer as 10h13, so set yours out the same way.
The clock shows 3h02
